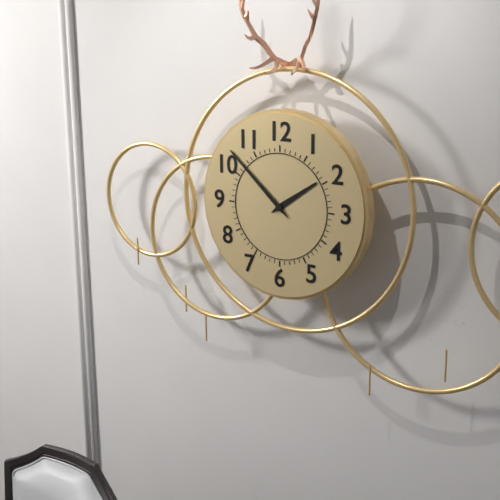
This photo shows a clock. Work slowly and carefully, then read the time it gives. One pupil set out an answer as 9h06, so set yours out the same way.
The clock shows 1h52
